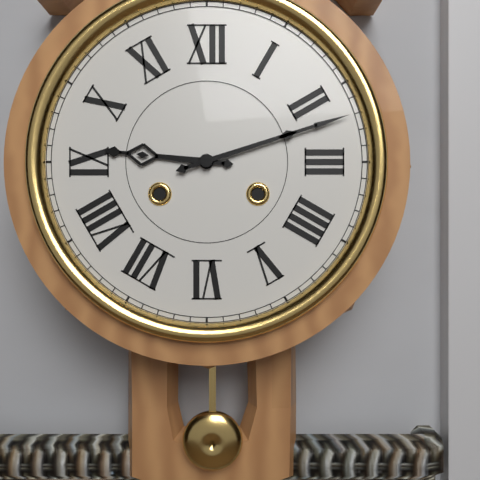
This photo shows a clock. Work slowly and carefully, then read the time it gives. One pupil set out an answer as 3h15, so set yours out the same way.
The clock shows 9h12
